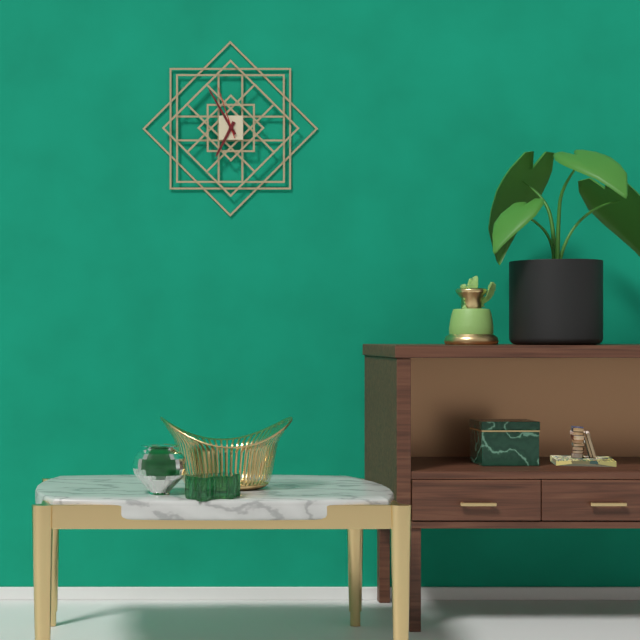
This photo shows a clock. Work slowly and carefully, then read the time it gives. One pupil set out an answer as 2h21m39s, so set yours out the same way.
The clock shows 6h55m57s
